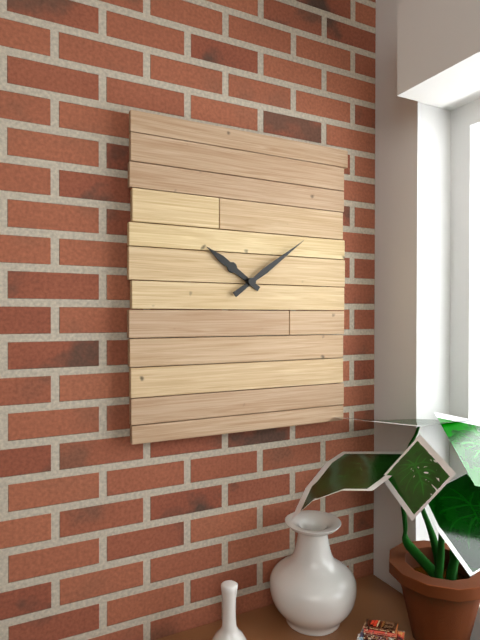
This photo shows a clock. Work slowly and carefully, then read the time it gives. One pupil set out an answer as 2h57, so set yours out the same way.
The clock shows 10h09
